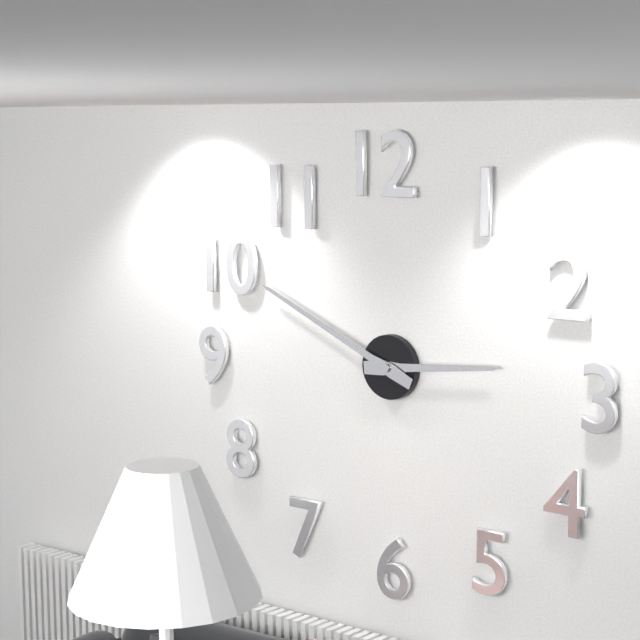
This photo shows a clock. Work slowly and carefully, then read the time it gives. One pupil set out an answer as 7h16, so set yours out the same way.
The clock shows 2h49
